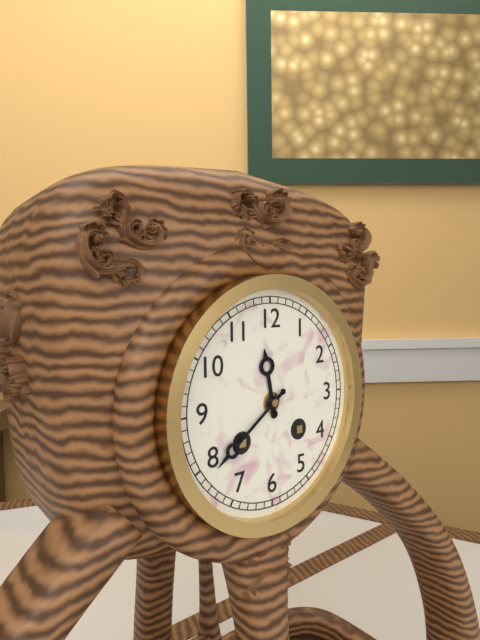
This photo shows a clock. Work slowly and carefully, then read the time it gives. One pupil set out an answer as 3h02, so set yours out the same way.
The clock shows 11h39
